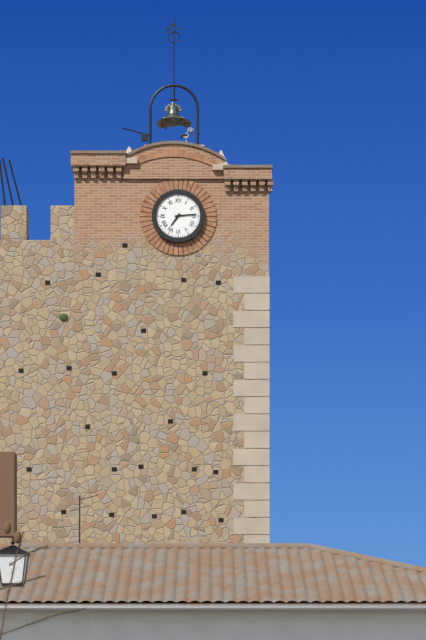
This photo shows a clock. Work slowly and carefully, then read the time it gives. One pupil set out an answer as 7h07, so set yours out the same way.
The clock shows 7h14
